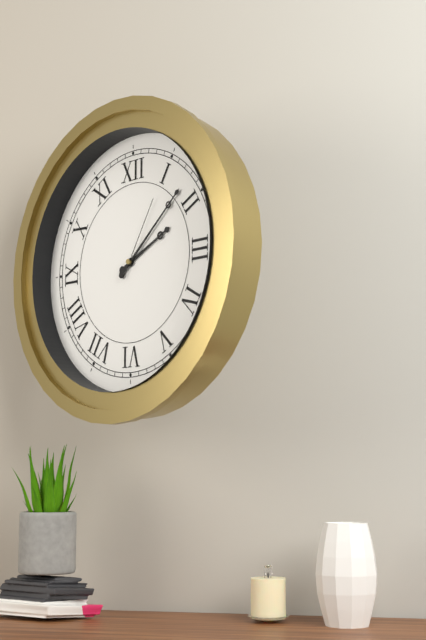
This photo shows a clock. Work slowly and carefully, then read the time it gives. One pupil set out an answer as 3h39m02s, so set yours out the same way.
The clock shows 2h08m05s
